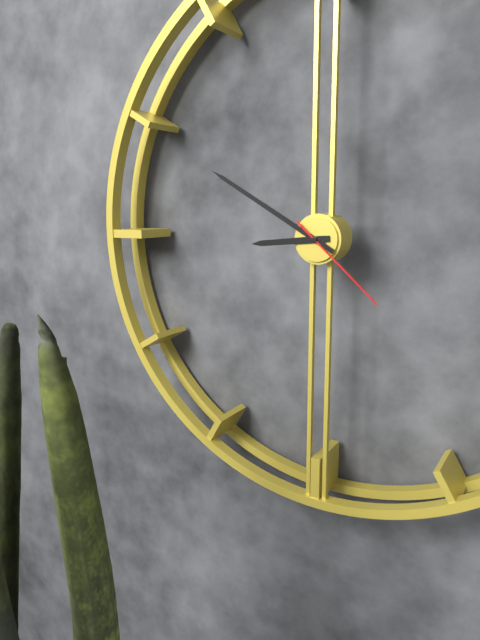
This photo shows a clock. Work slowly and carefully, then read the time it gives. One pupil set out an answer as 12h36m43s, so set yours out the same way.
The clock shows 8h50m22s
